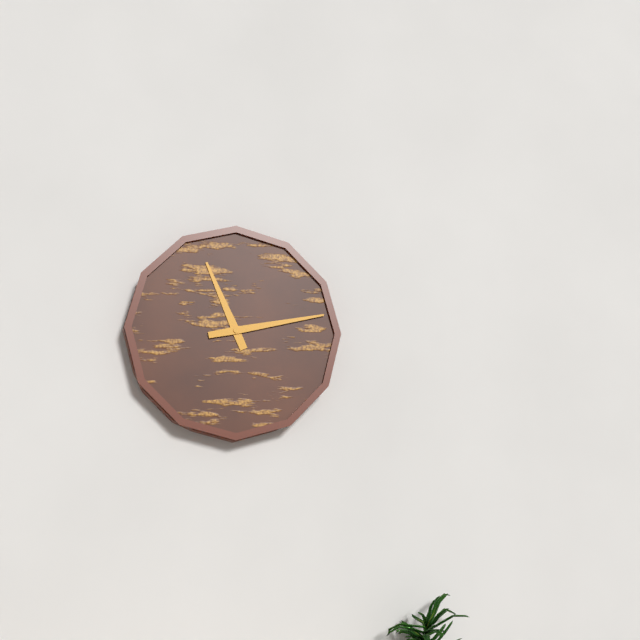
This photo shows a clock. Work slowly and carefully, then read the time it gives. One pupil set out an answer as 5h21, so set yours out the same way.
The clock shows 11h13
